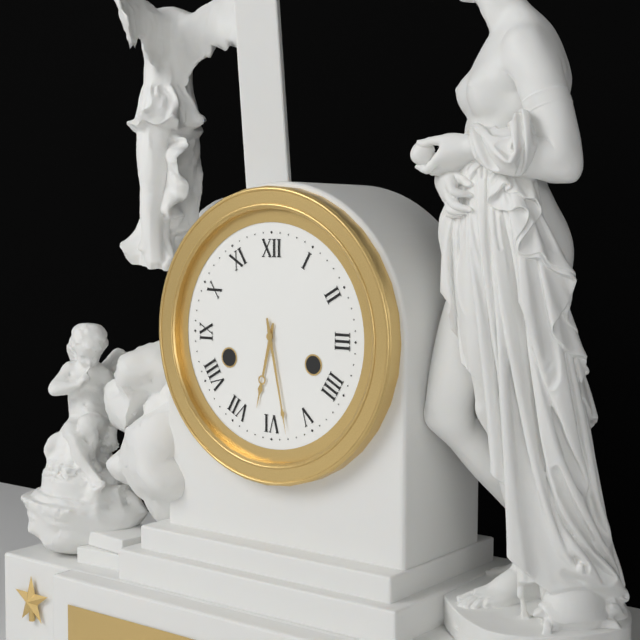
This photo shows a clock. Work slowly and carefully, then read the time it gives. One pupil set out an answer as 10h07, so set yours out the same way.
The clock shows 6h28
